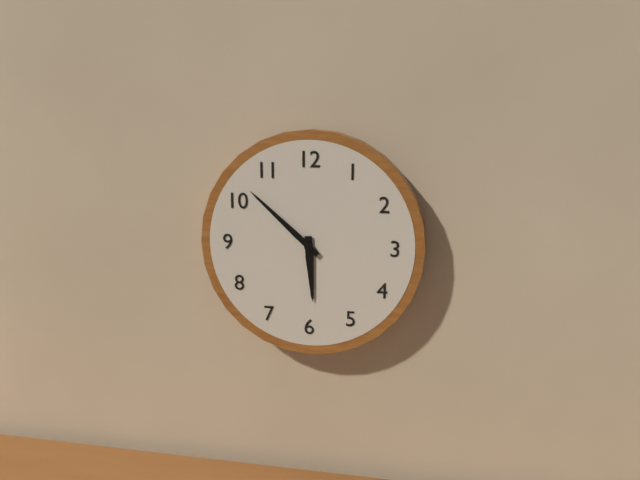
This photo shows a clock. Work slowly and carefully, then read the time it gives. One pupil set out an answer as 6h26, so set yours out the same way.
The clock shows 5h52
